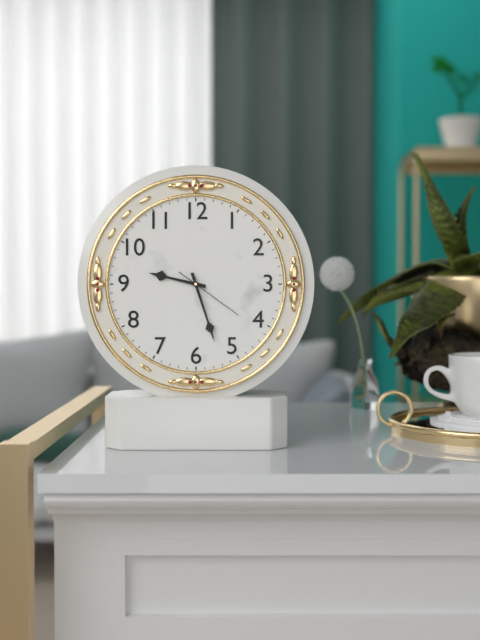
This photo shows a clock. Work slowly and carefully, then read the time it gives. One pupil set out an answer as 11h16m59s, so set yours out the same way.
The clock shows 9h27m21s
